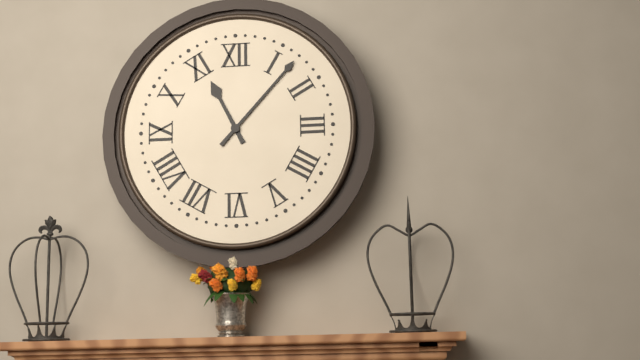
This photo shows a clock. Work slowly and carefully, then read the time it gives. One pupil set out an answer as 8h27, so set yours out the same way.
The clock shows 11h07
